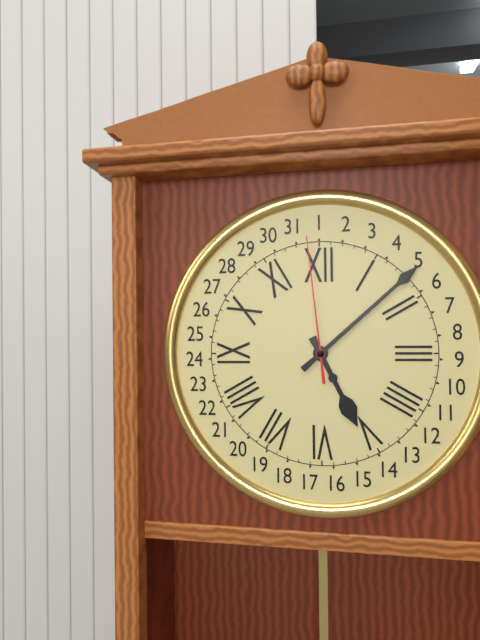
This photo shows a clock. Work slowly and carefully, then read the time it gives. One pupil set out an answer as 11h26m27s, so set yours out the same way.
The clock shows 5h08m59s
